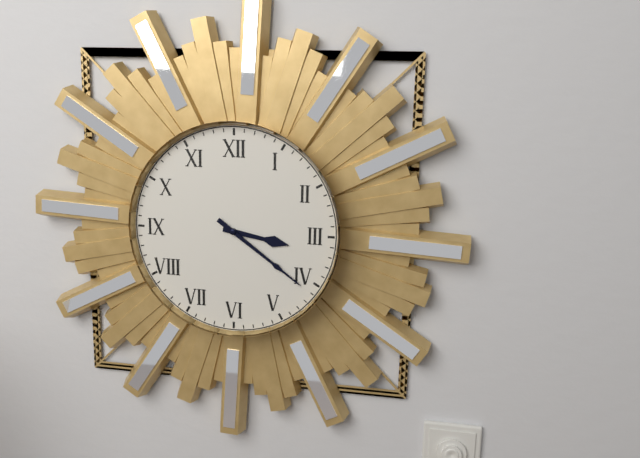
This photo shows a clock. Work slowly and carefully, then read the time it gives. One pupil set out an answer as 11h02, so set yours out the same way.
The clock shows 3h21
